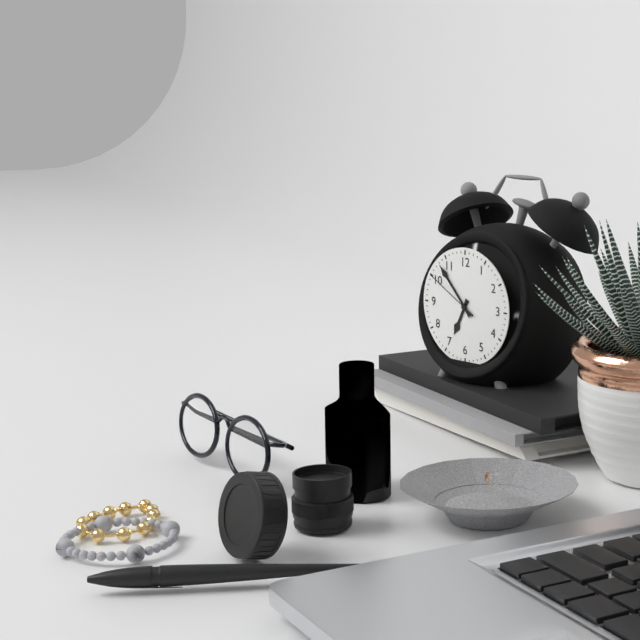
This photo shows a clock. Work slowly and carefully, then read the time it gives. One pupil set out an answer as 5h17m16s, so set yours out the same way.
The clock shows 6h53m50s
